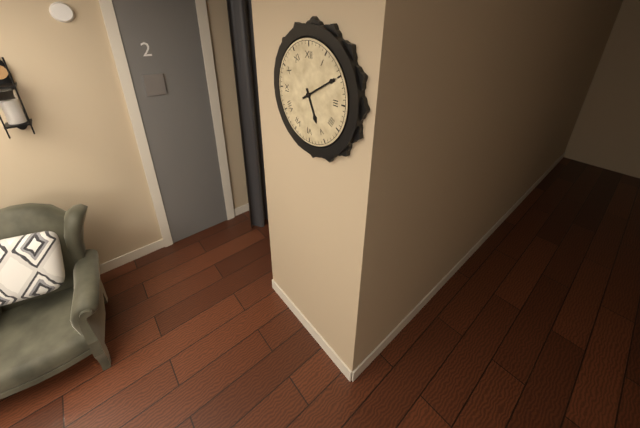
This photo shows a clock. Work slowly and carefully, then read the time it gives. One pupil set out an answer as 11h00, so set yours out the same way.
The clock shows 5h10
